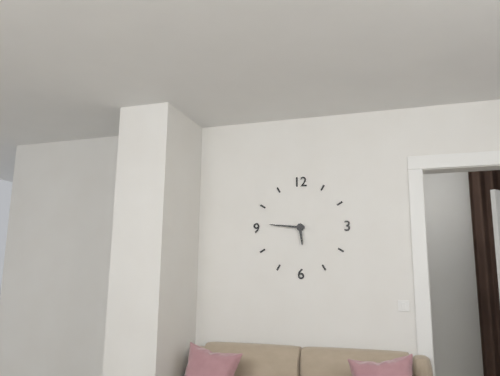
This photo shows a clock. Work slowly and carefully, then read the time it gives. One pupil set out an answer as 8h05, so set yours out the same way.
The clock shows 5h46
